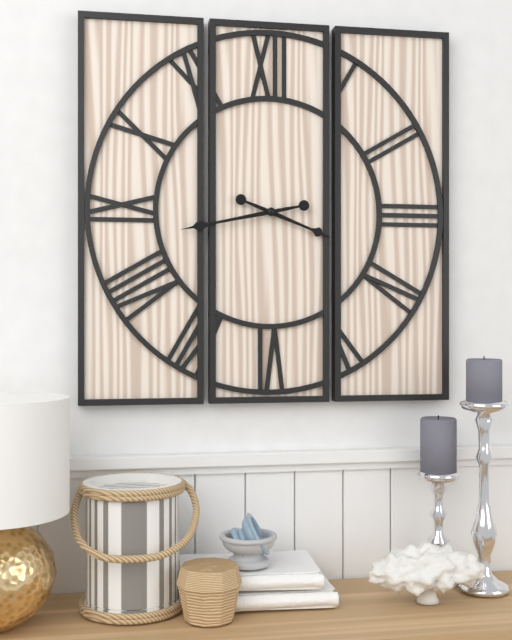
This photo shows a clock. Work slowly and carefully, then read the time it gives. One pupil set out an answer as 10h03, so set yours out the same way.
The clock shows 3h43
